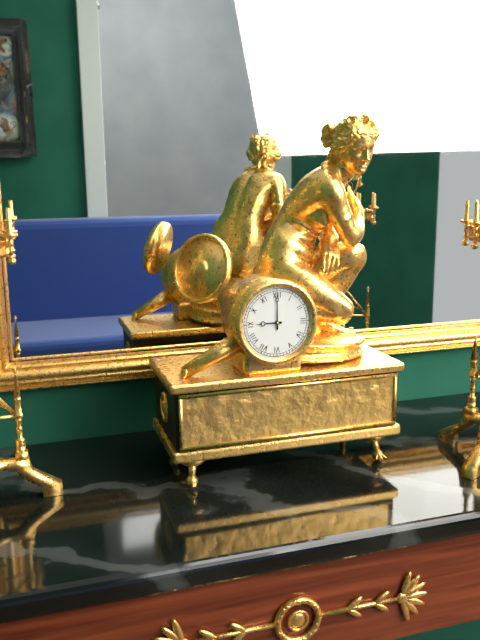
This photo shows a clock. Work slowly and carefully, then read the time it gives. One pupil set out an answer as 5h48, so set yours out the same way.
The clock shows 9h00
